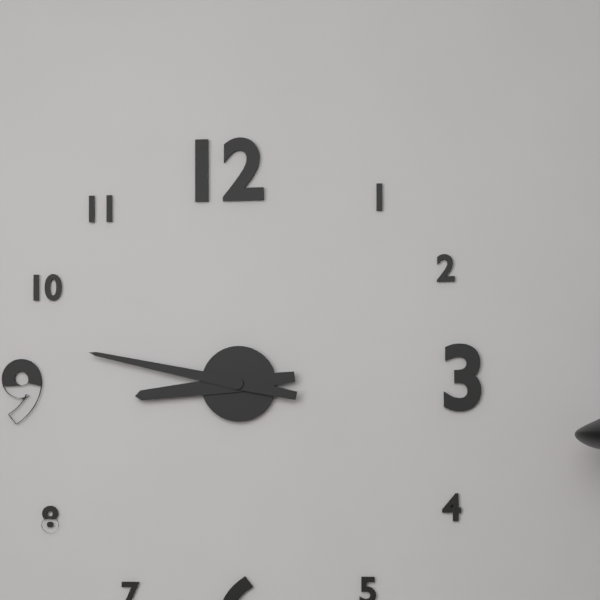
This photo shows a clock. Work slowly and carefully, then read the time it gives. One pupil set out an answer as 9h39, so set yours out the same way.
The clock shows 8h47
